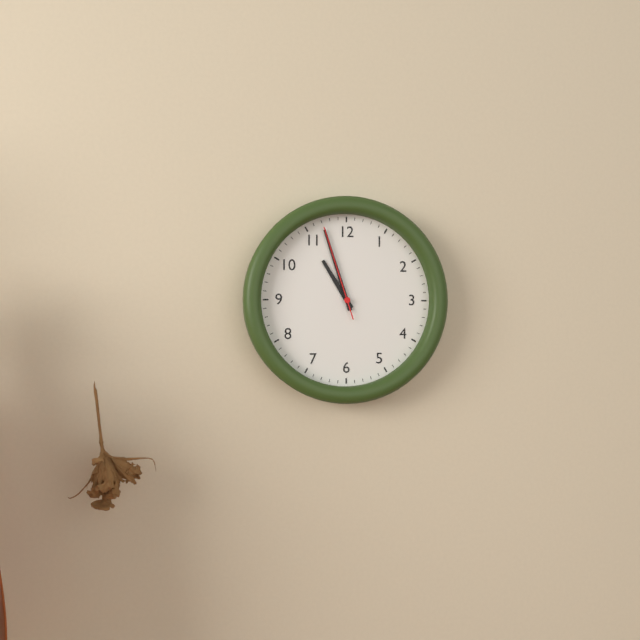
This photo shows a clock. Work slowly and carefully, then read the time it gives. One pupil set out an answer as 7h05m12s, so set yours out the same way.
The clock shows 10h57m57s
